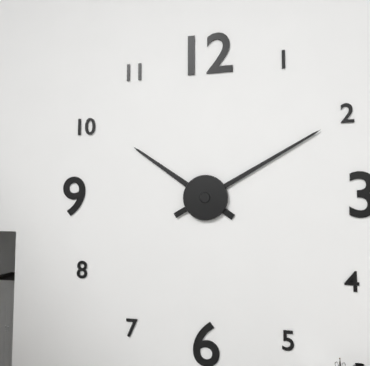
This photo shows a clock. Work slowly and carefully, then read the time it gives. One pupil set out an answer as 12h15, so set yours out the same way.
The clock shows 10h10
